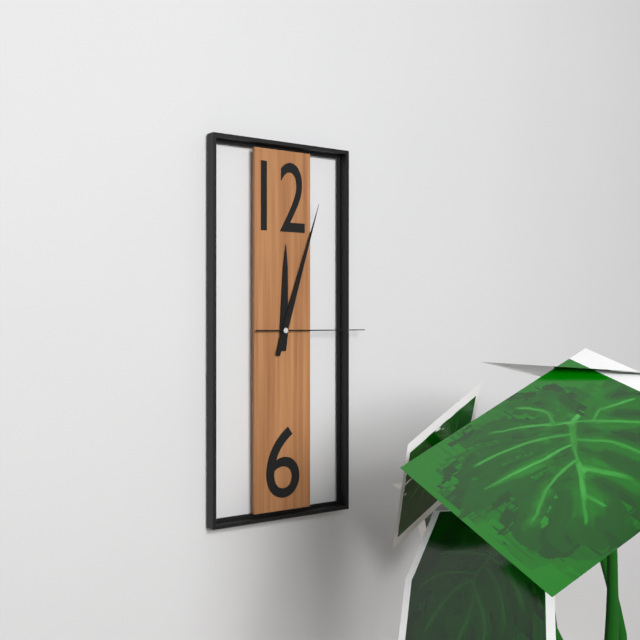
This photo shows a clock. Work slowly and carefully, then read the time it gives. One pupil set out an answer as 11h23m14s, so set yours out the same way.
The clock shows 12h03m15s
